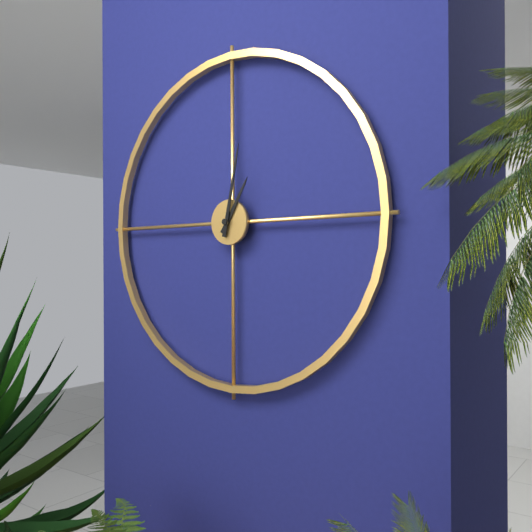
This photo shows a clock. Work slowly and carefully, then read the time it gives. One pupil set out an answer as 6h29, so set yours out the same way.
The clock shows 1h02
